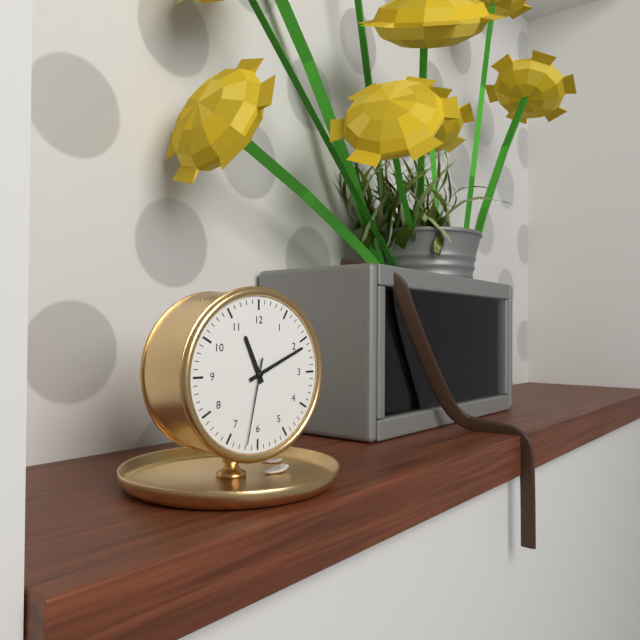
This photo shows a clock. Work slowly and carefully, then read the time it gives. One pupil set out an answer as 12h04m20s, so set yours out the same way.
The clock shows 11h11m32s
